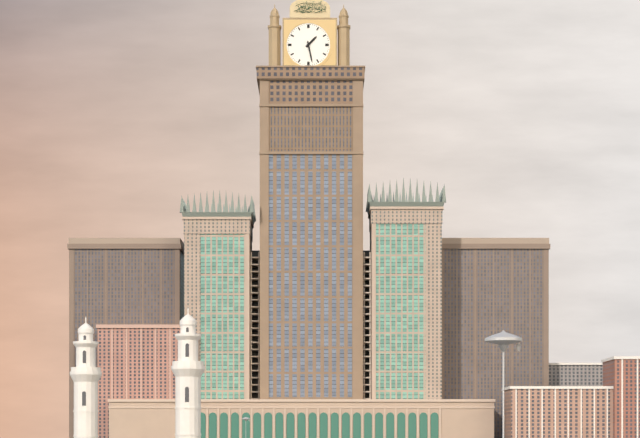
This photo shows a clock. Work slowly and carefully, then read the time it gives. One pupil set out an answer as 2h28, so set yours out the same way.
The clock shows 1h28
